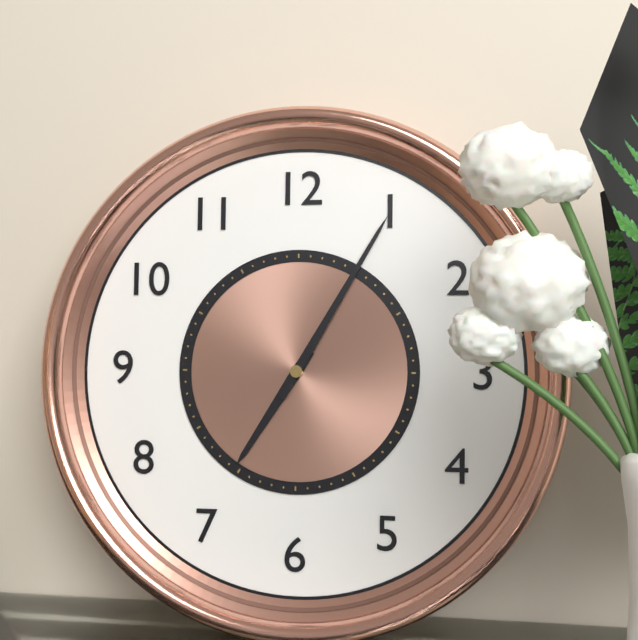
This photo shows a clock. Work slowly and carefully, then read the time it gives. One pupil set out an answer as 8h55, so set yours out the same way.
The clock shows 7h05
